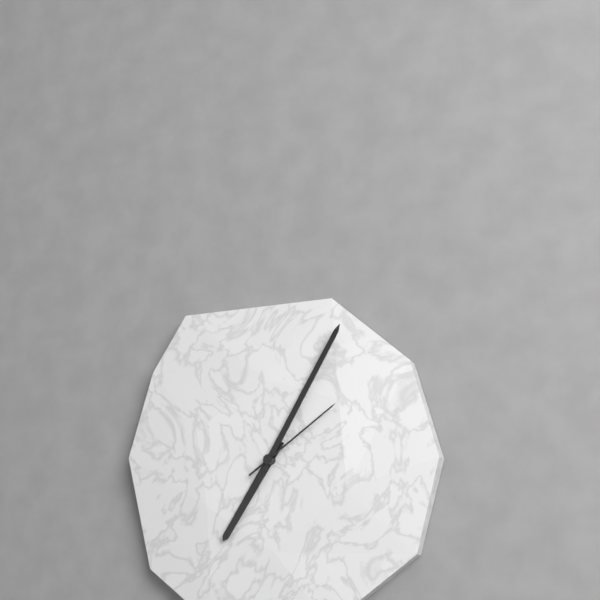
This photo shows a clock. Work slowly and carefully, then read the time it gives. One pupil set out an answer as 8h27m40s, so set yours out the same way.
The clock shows 7h05m09s
